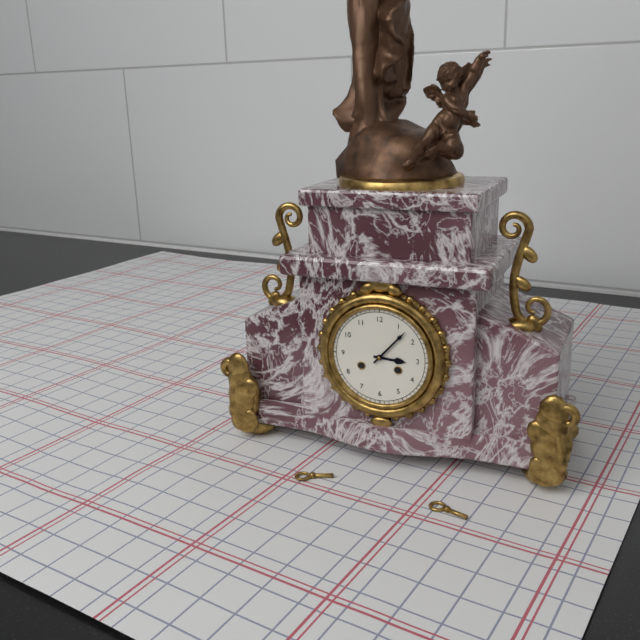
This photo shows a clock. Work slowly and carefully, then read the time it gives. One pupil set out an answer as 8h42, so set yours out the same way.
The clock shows 3h07
